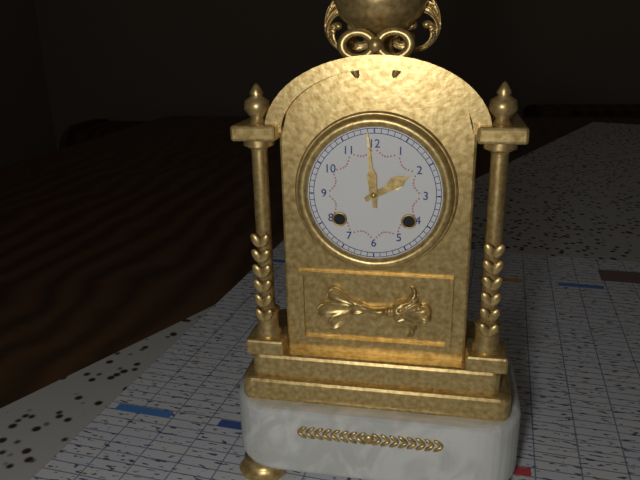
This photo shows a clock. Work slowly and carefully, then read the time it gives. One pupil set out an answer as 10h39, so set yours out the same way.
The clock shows 1h59
